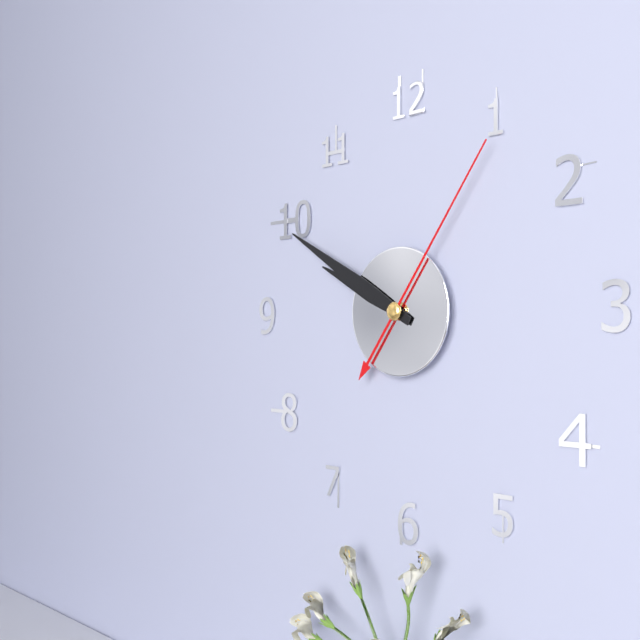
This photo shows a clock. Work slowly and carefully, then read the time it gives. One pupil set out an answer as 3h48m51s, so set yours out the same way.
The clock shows 9h50m06s
